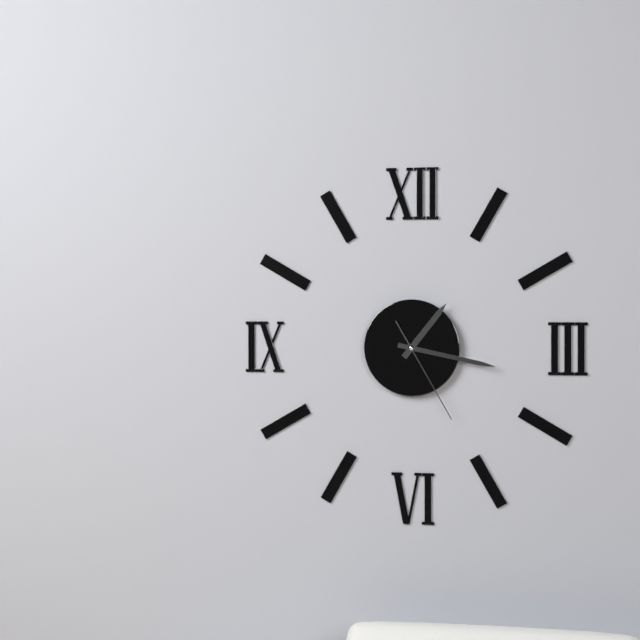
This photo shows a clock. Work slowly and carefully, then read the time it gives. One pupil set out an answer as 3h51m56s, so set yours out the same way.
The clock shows 1h17m25s
